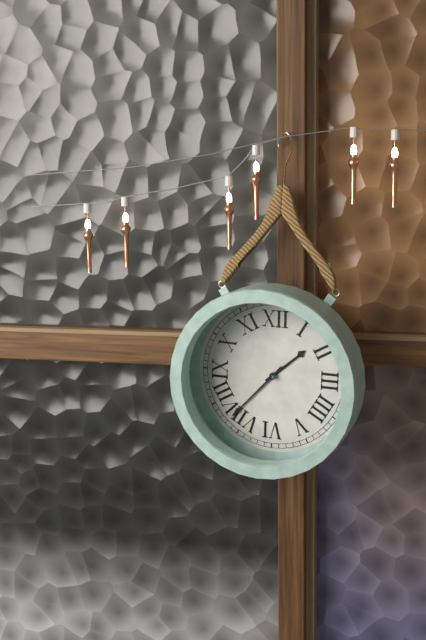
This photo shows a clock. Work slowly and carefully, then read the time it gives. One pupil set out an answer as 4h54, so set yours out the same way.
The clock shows 1h37
